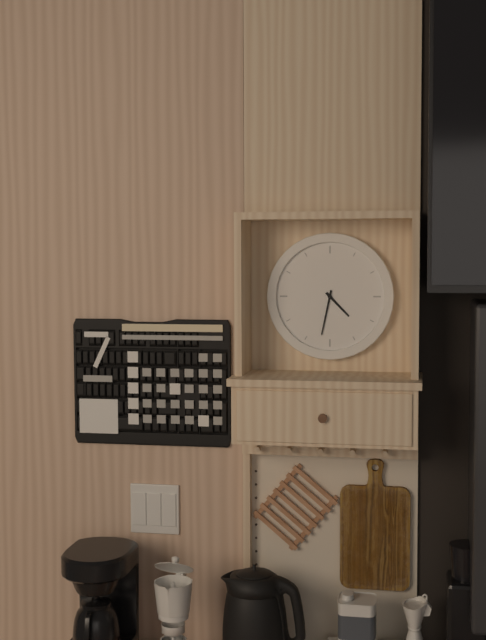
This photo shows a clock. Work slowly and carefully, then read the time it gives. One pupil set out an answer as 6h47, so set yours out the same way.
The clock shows 4h32
